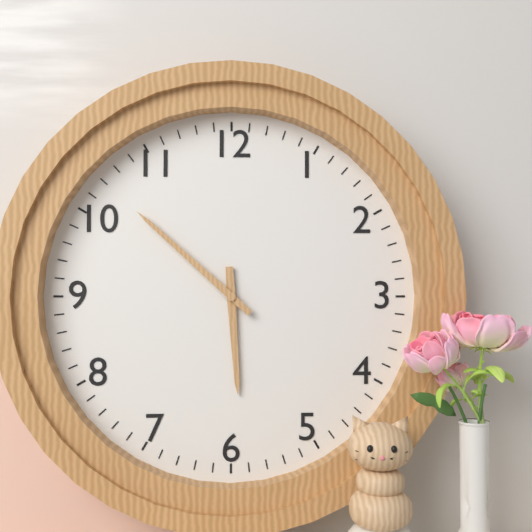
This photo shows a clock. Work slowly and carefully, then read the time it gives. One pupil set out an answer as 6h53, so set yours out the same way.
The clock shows 5h52
